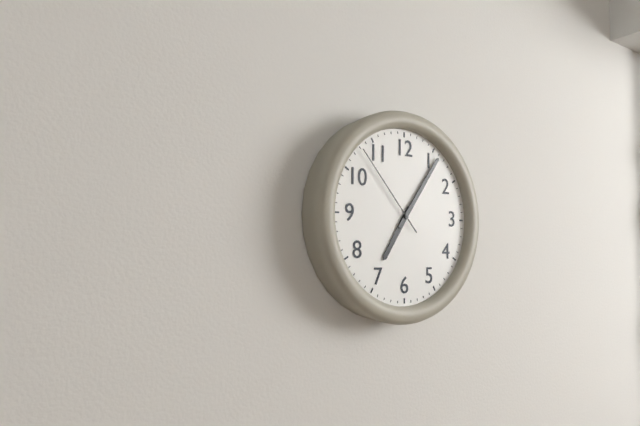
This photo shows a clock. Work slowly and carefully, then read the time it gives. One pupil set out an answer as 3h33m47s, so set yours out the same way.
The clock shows 7h06m53s
